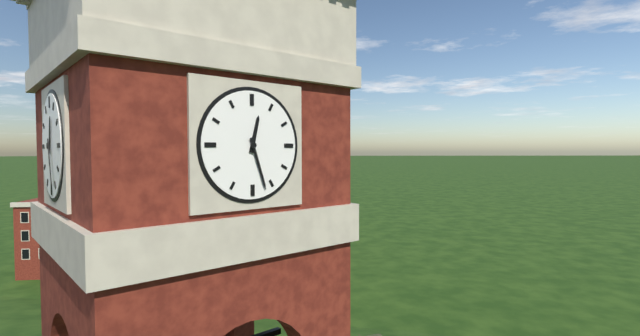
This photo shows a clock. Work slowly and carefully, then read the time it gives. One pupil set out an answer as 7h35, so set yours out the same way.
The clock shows 12h27
